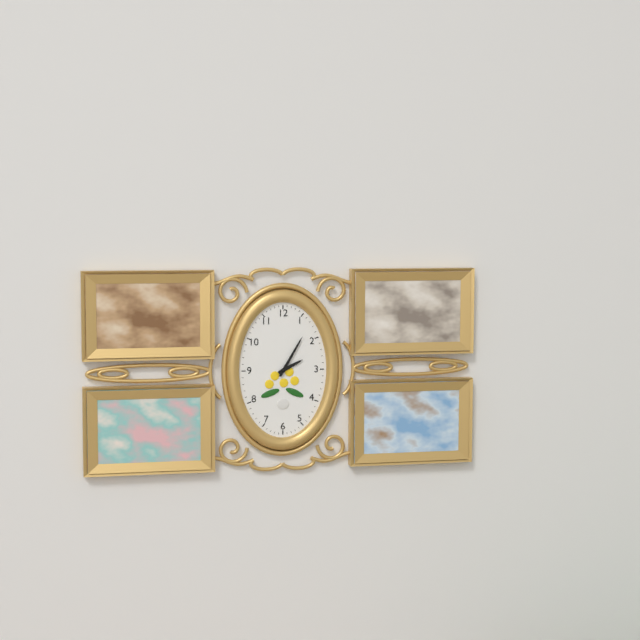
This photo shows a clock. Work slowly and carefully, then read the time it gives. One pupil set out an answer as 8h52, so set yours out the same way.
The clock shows 2h05
